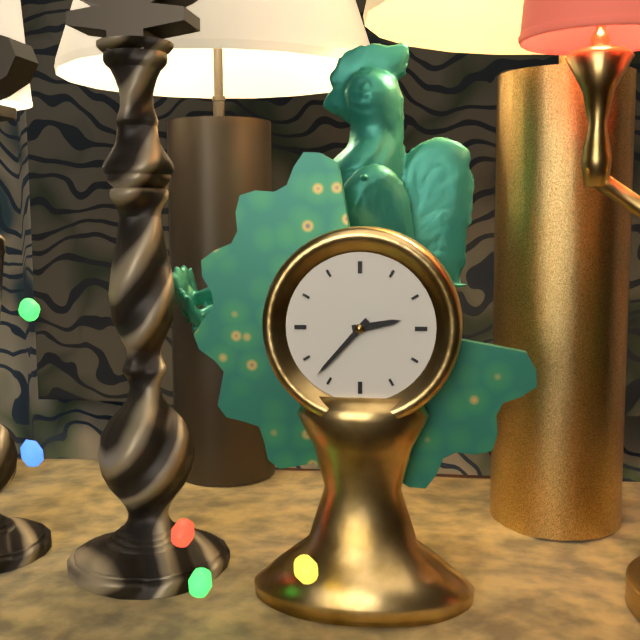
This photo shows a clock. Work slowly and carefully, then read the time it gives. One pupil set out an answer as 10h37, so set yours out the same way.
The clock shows 2h37
